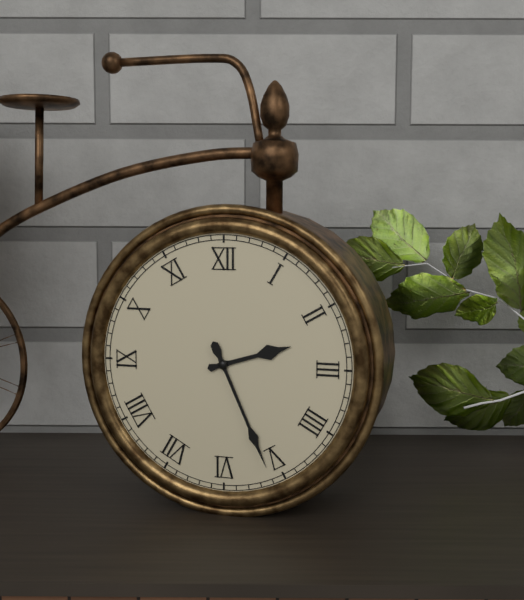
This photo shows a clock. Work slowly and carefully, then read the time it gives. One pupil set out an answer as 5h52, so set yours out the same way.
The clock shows 2h26
